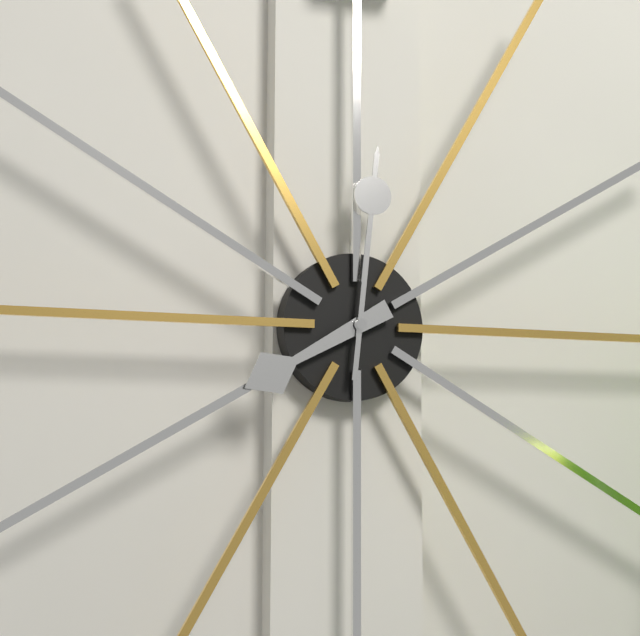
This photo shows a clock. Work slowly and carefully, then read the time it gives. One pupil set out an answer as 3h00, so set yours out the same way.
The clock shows 8h01
